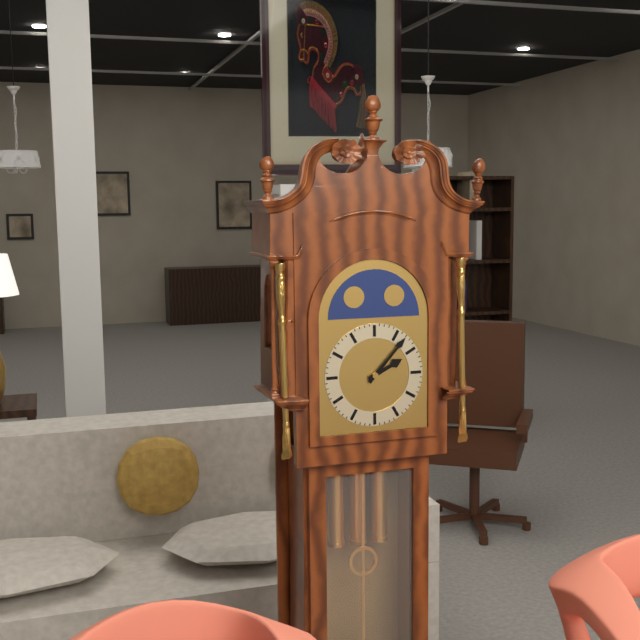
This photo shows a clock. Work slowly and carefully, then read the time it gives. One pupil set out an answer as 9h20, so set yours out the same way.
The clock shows 2h07
